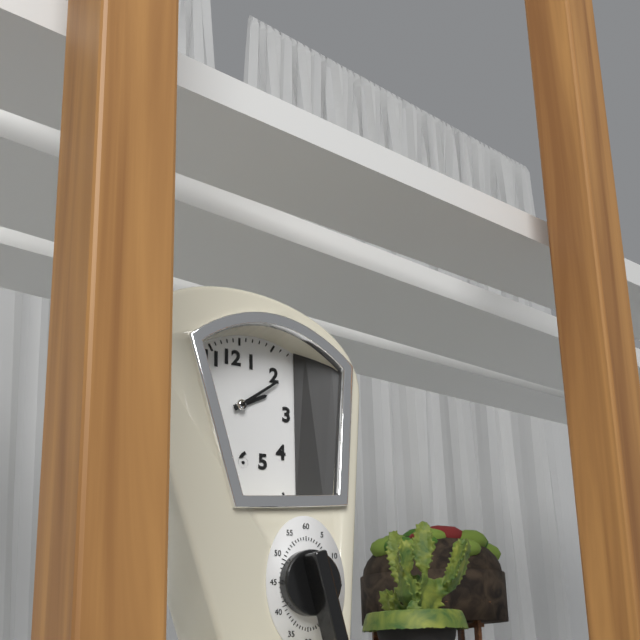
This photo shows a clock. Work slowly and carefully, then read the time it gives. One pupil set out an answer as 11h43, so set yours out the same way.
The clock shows 2h09
